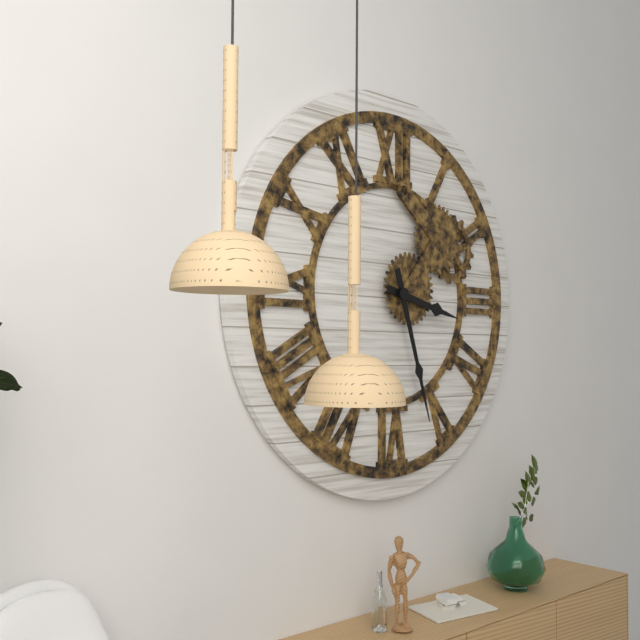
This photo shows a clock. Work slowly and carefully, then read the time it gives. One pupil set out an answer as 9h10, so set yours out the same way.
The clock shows 3h27
